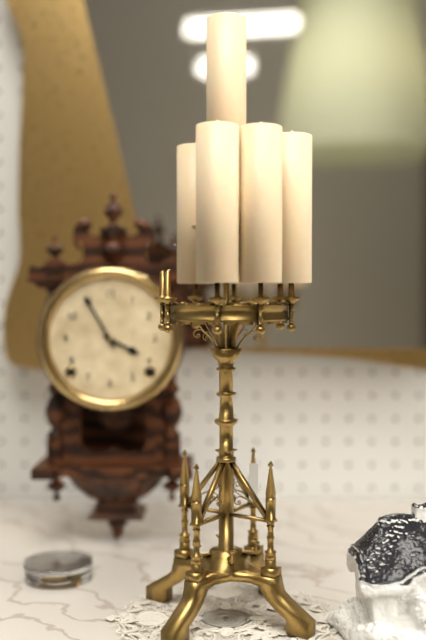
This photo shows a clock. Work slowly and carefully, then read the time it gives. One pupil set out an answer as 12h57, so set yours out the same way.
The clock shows 3h55
